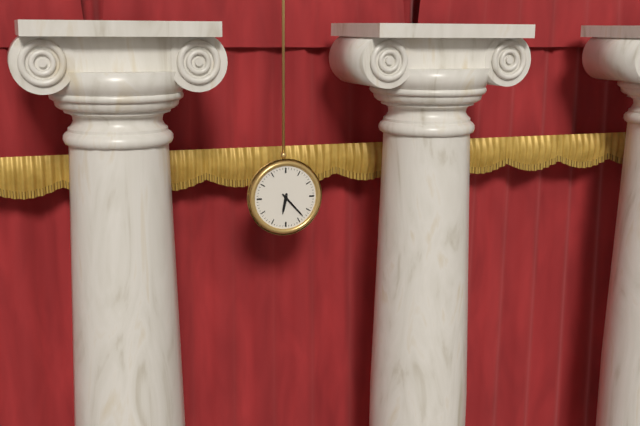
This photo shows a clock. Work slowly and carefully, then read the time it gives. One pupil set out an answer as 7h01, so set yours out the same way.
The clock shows 6h23
